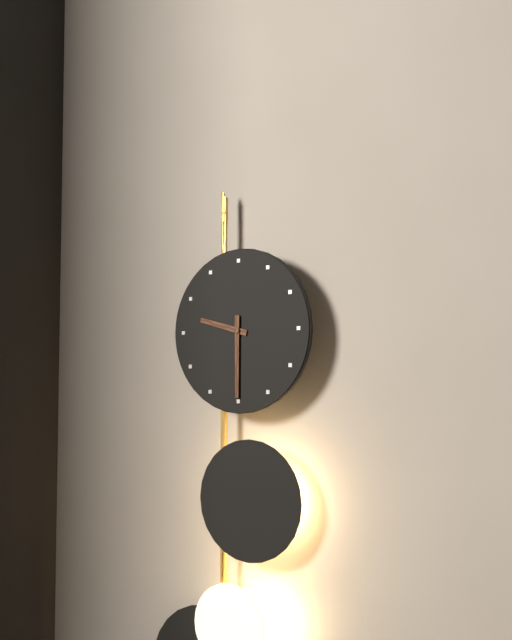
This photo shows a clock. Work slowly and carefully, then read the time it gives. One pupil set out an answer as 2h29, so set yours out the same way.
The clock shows 9h30
